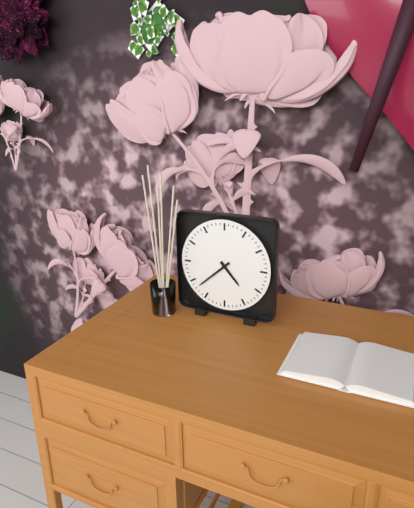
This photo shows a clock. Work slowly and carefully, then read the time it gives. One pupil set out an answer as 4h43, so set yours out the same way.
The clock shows 4h38
